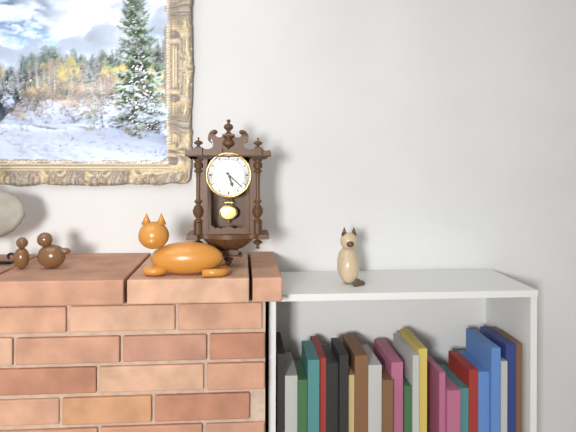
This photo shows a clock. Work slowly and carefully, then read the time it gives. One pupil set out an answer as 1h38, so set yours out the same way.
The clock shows 5h22
